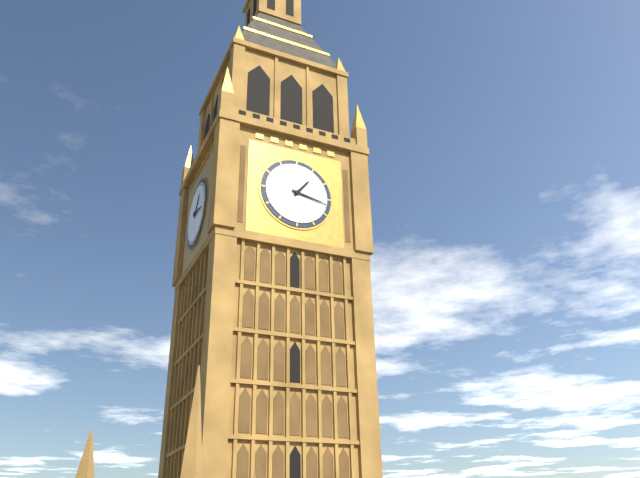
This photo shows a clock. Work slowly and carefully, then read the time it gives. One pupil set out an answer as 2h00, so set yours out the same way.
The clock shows 1h17
